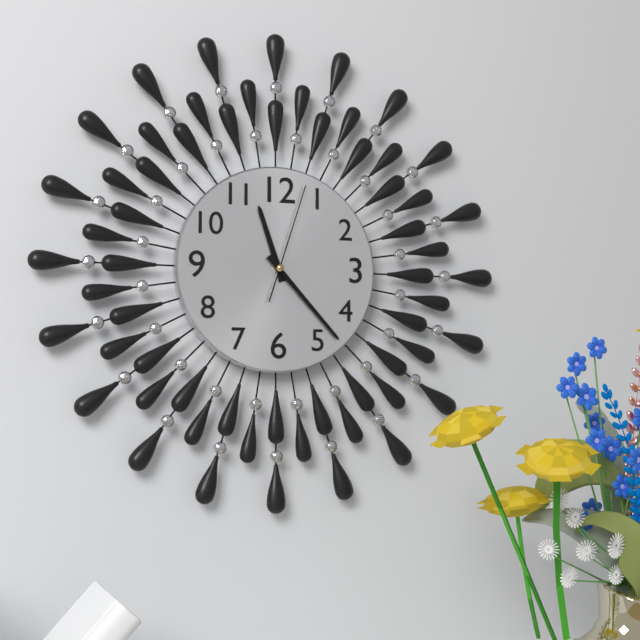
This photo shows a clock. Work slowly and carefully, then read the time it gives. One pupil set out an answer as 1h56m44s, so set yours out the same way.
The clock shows 11h23m03s
